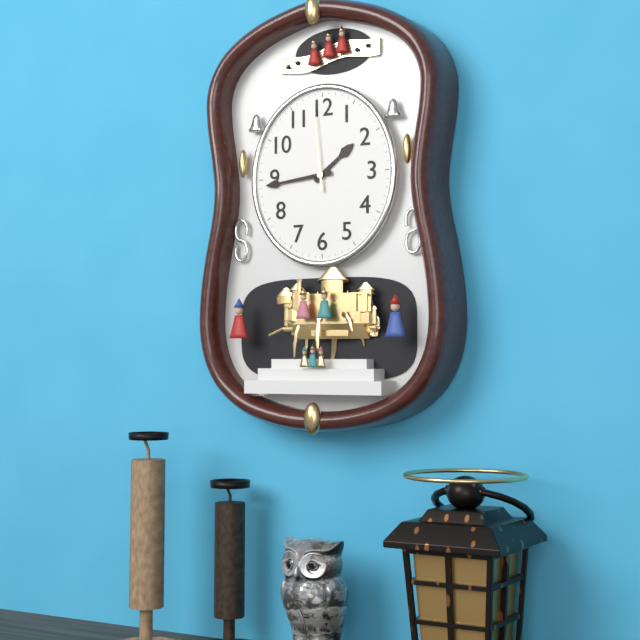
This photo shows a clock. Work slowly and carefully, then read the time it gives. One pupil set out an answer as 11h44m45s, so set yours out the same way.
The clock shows 1h44m59s
